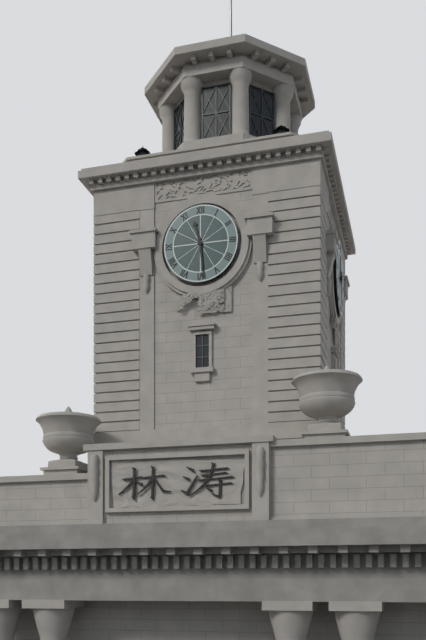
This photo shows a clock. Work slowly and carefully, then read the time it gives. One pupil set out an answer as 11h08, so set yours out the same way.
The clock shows 11h29
